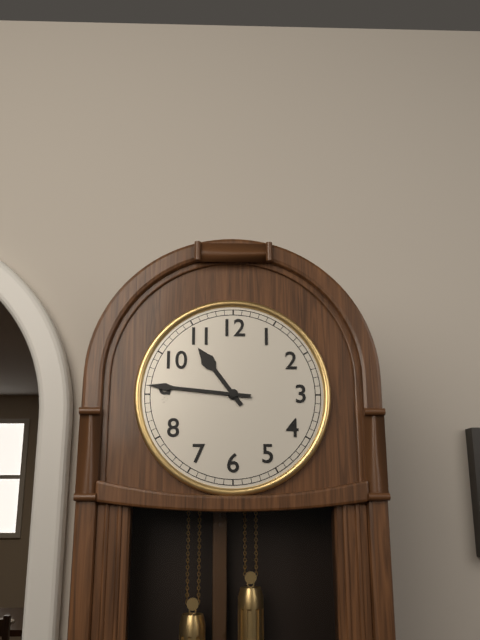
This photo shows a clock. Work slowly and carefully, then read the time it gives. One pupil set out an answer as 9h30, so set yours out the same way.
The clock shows 10h46
